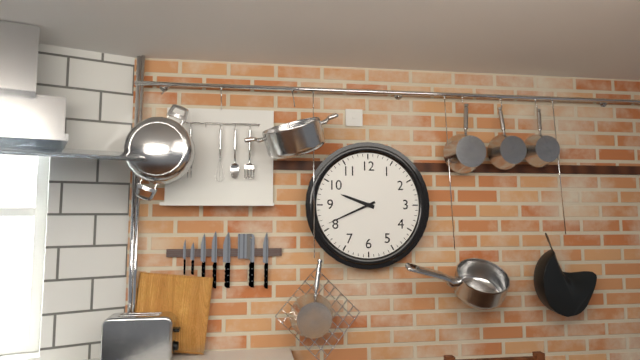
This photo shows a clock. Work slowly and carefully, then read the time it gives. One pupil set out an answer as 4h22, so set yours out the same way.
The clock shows 9h41
